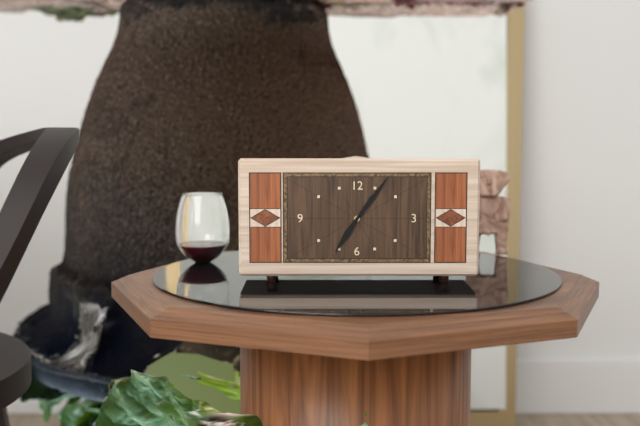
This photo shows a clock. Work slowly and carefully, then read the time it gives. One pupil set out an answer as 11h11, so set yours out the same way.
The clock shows 7h06
